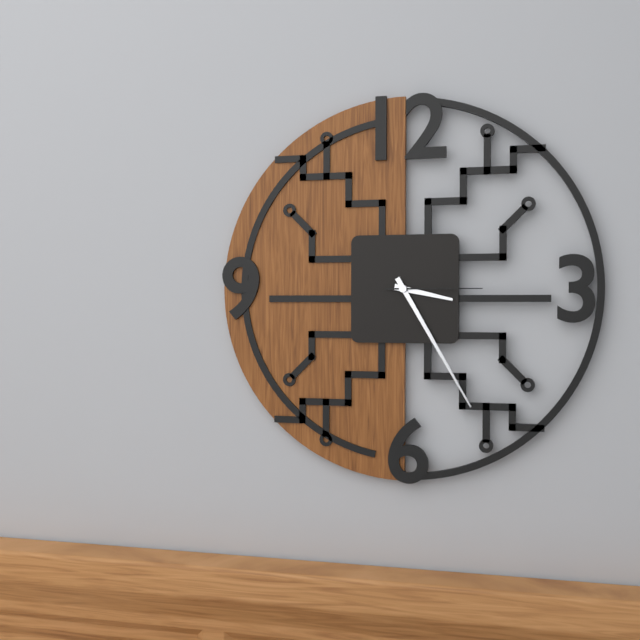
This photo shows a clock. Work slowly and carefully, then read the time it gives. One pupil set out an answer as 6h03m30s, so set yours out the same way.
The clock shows 3h25m15s
